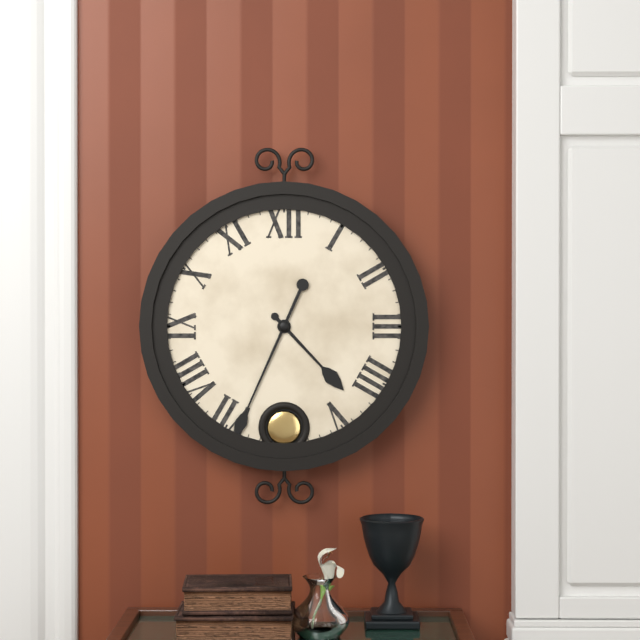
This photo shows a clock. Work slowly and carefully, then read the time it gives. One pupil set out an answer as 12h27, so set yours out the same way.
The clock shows 4h34
